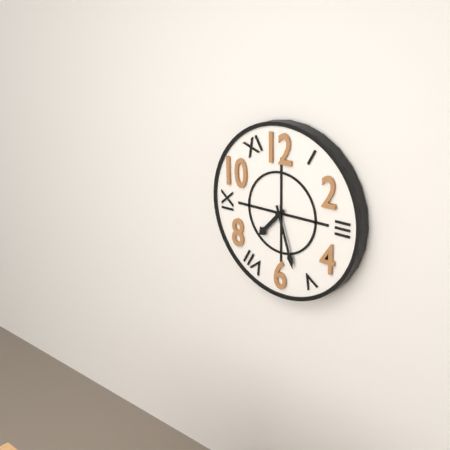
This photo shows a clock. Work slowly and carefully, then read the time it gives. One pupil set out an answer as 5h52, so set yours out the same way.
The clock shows 7h27
